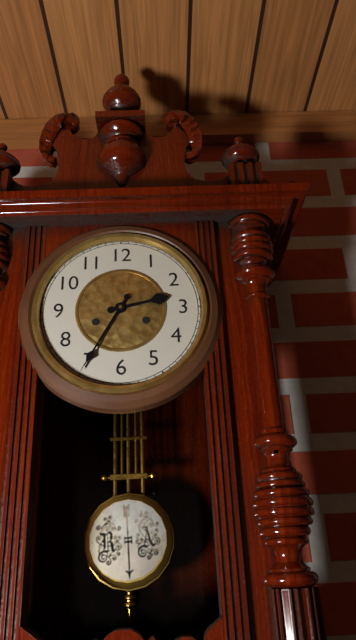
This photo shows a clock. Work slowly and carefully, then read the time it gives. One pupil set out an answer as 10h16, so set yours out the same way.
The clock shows 2h35
